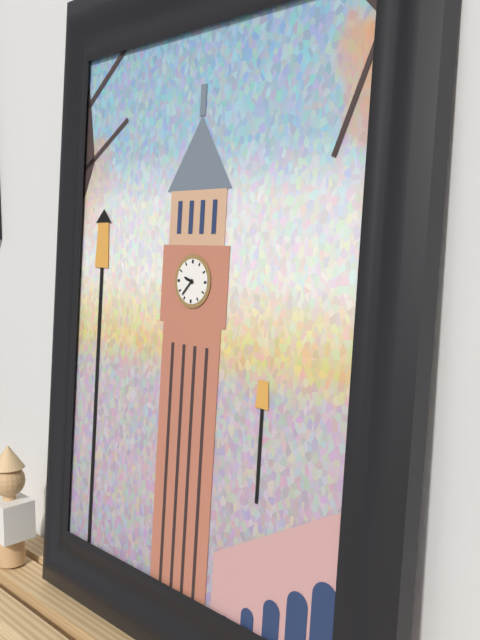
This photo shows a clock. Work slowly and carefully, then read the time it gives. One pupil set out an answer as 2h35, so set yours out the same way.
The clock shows 9h37
